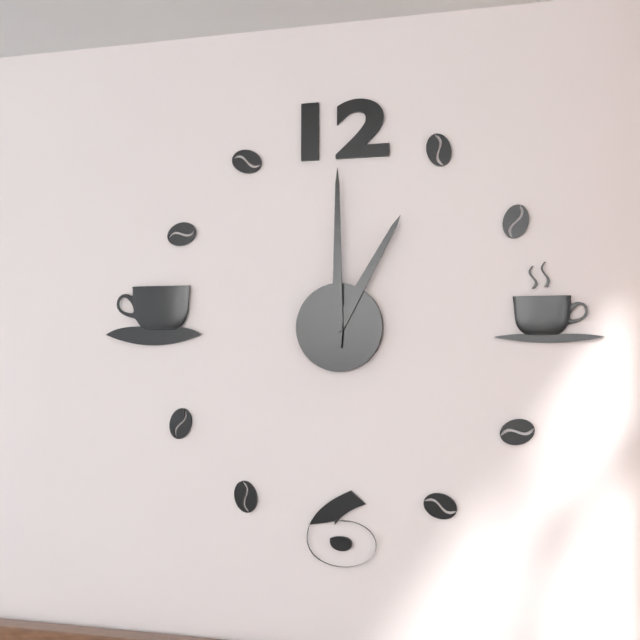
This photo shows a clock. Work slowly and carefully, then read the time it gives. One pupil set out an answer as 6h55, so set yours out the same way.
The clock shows 1h00
